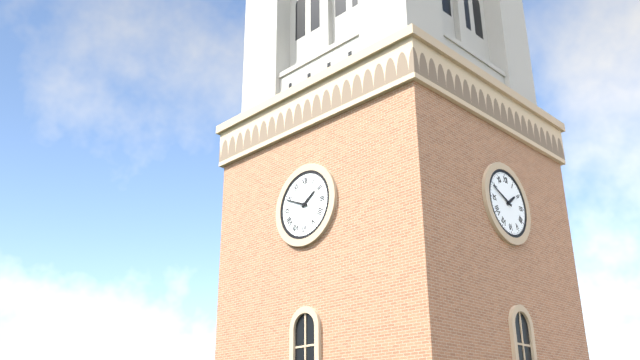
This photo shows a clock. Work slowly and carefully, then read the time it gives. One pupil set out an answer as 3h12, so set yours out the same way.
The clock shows 1h49
